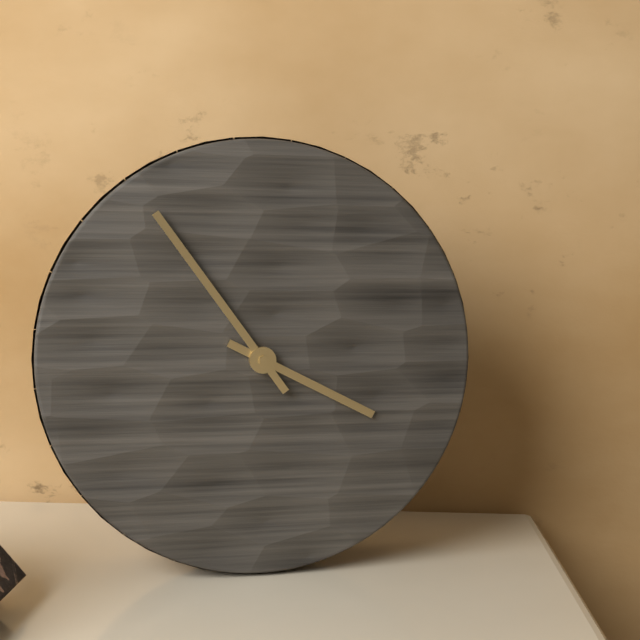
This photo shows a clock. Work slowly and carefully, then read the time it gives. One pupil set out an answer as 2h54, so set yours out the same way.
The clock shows 3h54
